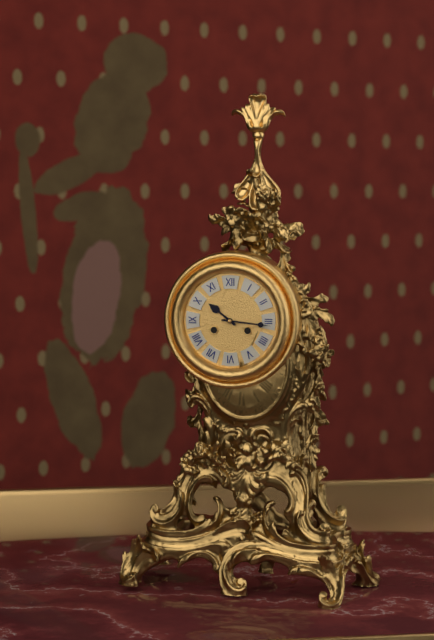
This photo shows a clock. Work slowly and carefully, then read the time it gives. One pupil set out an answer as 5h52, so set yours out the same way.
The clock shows 10h16
